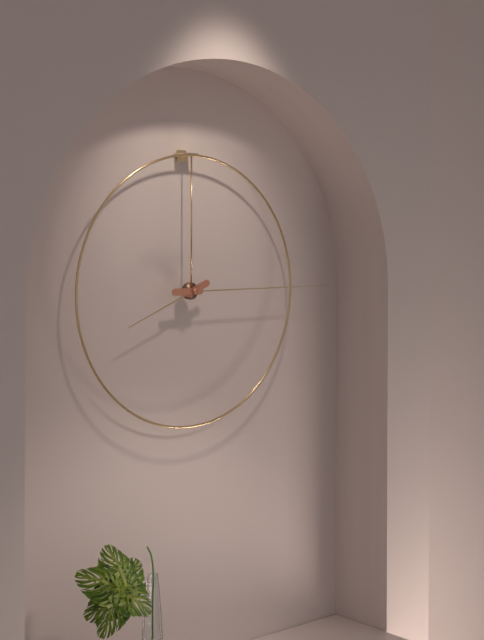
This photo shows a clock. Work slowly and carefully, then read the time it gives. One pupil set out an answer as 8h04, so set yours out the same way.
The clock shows 8h15
